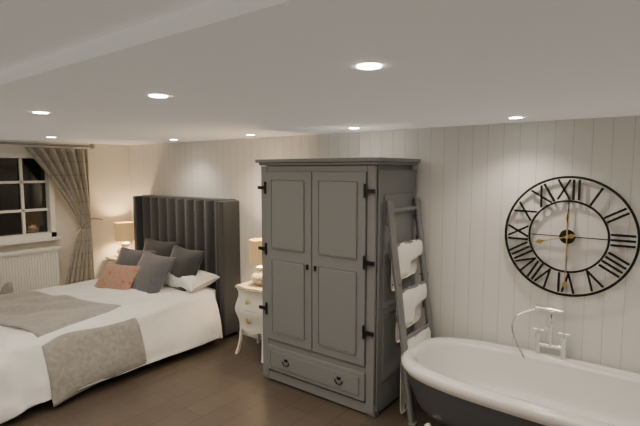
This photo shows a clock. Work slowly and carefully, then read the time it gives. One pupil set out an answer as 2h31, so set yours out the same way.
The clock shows 8h30
